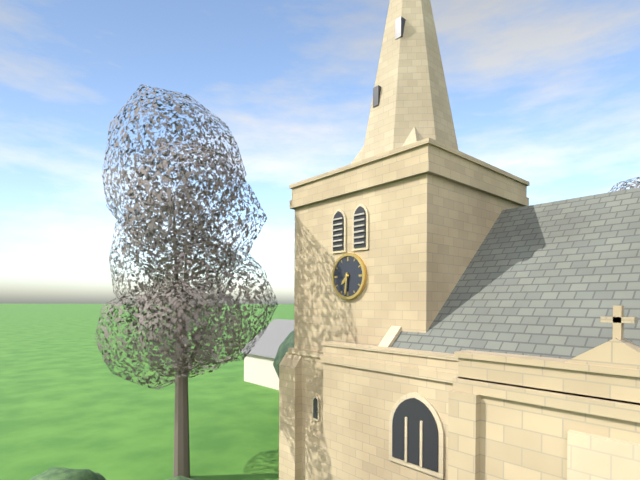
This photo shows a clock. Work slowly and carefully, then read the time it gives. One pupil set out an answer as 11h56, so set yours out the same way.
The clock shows 7h31
